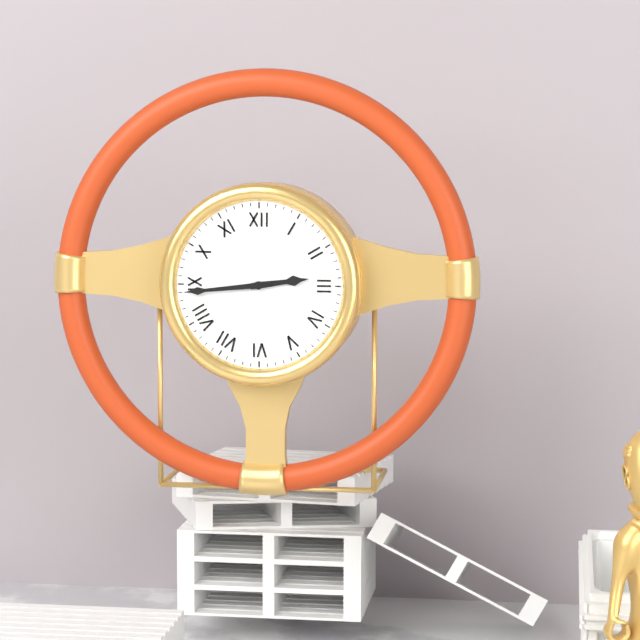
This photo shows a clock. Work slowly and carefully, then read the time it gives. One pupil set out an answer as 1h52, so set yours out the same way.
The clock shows 2h44
